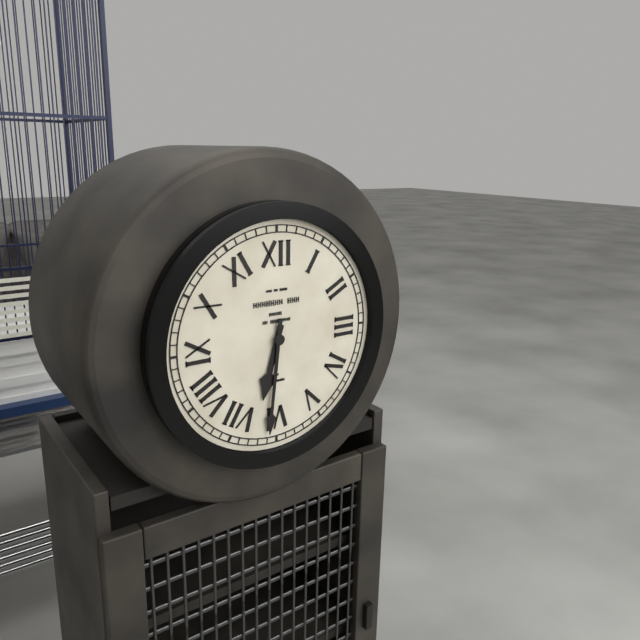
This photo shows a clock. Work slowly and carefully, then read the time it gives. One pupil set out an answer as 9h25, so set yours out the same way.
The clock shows 6h31
